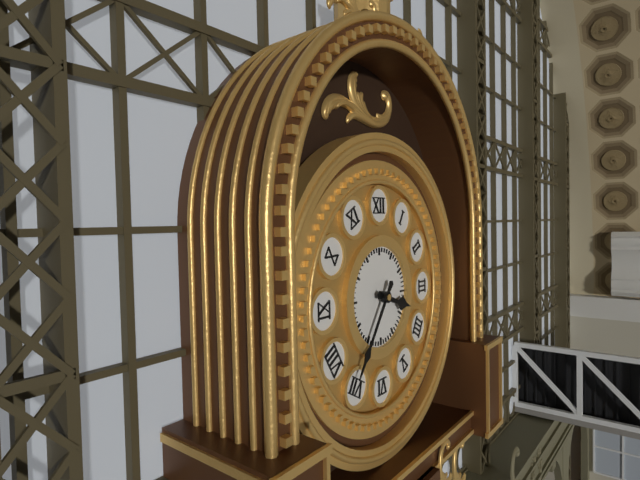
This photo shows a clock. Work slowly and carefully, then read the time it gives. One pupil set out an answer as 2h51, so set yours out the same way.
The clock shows 3h36
